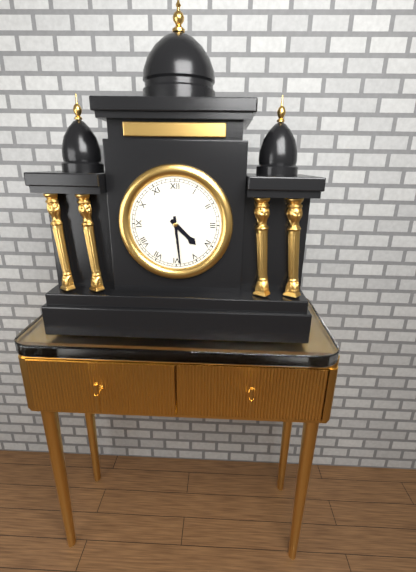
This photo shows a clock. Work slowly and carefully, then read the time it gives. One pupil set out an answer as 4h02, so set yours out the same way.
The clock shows 4h29
